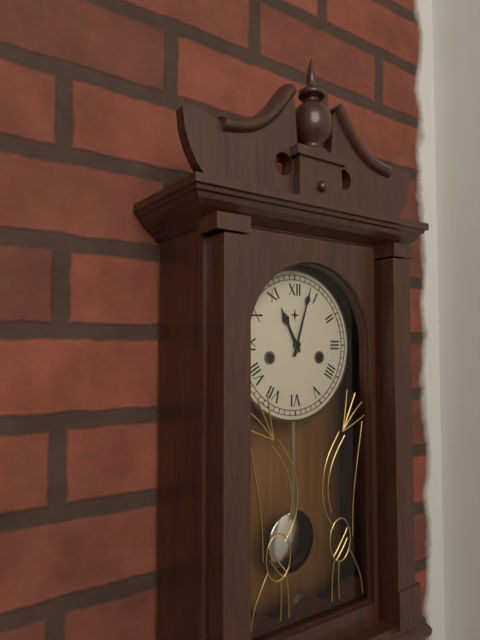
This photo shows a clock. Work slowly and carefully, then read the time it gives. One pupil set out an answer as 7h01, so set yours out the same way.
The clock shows 11h03
